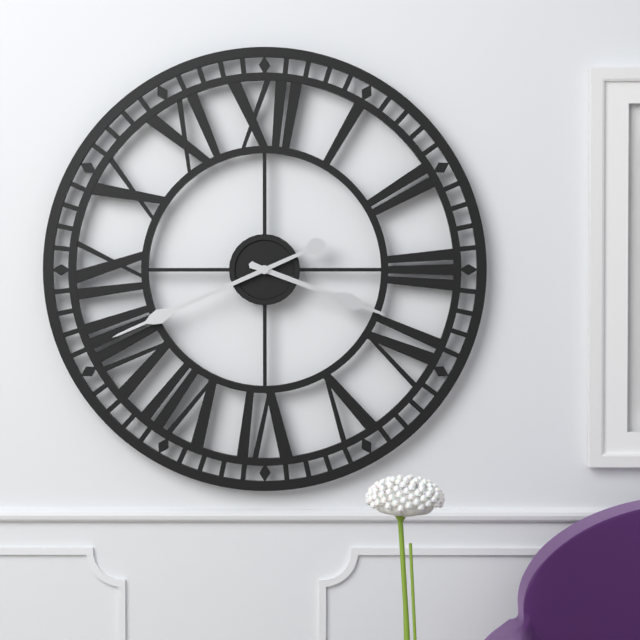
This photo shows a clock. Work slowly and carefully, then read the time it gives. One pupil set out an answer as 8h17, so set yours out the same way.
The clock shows 3h41
